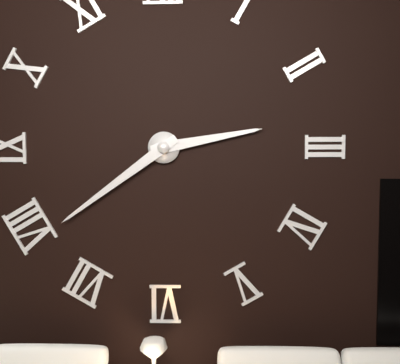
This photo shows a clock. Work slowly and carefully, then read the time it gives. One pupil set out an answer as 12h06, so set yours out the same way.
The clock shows 2h39
